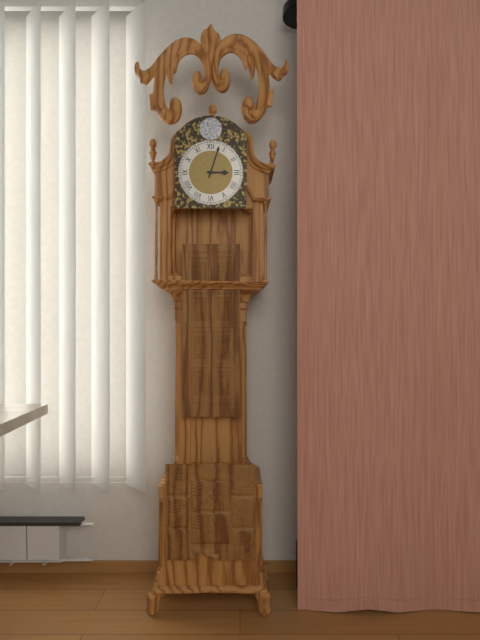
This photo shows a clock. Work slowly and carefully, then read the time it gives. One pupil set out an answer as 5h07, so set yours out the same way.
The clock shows 3h03
